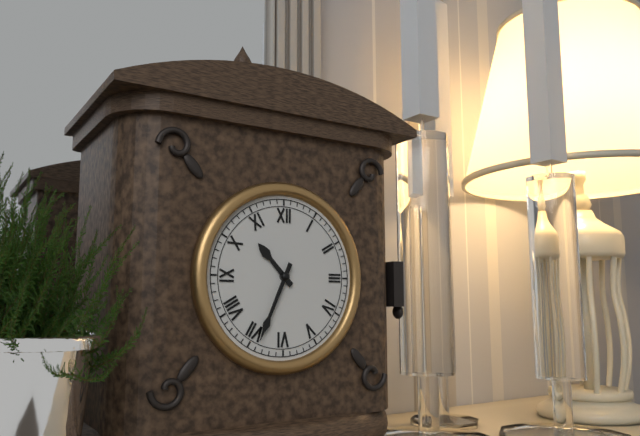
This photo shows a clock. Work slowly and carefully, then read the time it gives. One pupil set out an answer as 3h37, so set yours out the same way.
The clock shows 10h34
